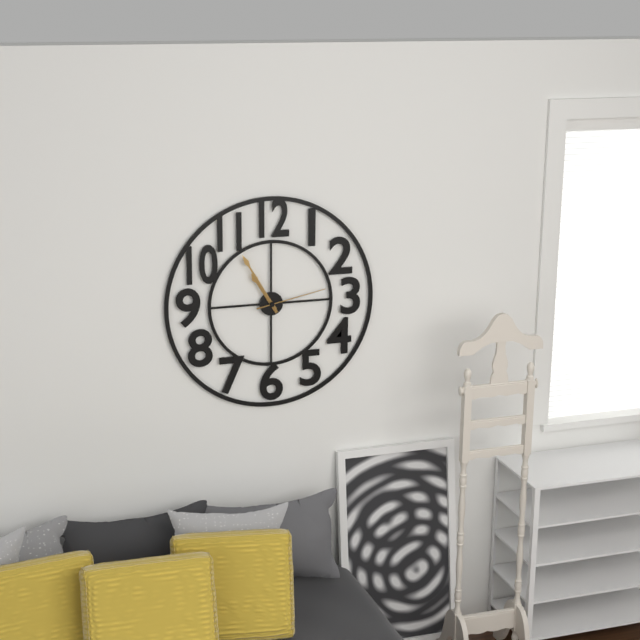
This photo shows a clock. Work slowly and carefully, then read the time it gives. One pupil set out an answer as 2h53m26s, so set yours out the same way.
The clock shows 10h55m13s
